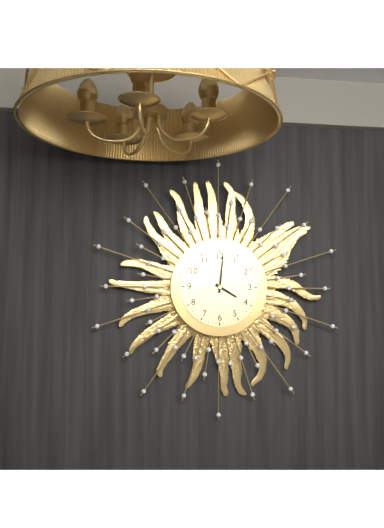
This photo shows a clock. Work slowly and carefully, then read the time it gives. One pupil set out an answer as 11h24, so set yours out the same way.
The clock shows 4h01
